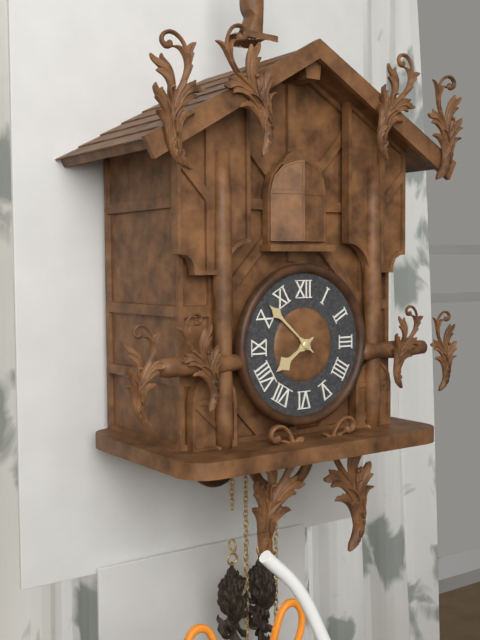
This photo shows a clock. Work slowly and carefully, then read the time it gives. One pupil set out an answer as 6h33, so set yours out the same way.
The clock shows 7h52
